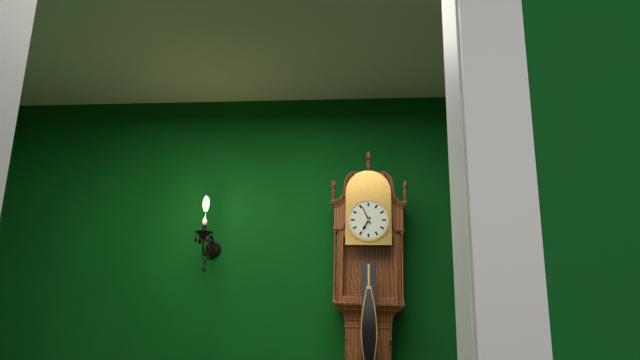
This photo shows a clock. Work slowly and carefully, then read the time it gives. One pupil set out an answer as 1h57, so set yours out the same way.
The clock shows 6h56
